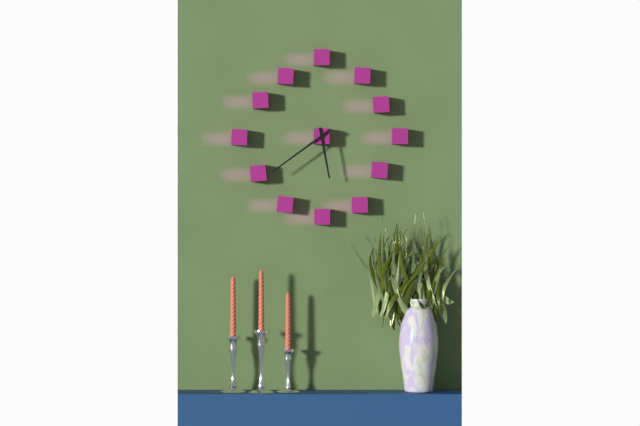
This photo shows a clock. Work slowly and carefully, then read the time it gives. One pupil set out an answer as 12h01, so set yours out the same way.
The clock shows 5h39
